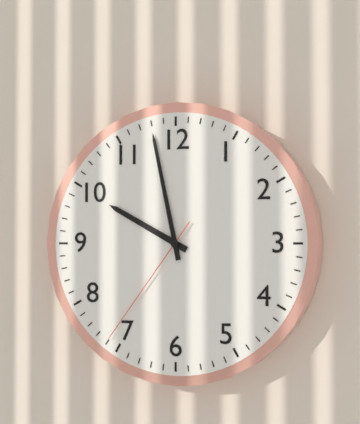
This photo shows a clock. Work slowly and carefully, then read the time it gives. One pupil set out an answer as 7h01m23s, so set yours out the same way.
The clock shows 9h58m36s
